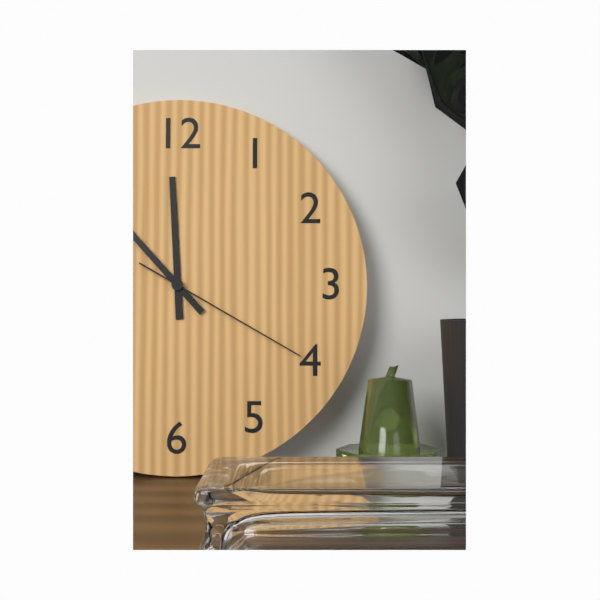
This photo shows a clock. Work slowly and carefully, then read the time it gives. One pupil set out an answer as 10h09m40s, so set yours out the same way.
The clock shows 11h53m20s
